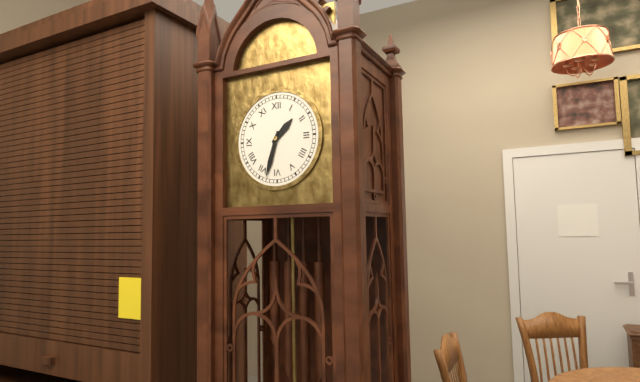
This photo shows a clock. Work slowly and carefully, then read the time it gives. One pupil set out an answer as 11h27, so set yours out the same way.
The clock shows 1h33
